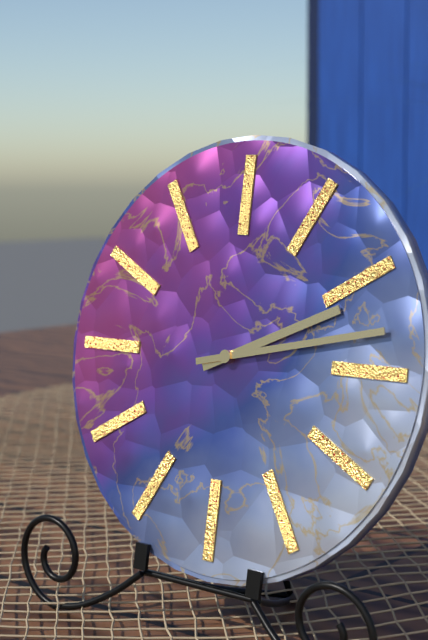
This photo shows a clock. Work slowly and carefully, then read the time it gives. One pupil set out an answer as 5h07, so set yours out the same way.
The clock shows 2h13
